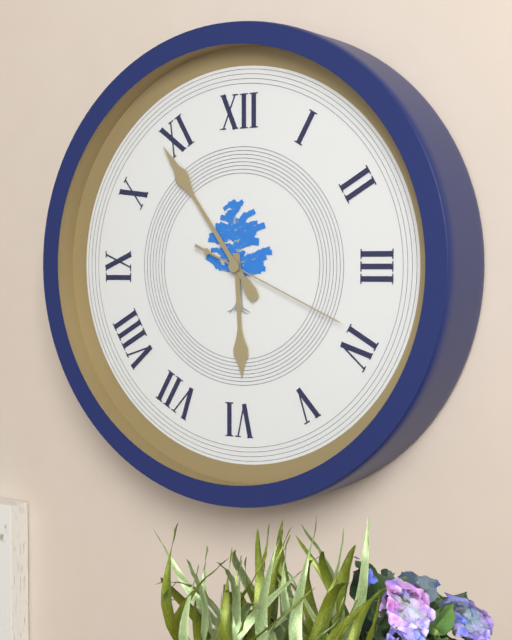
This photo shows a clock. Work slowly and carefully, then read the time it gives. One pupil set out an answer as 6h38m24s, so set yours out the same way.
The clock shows 5h54m19s
